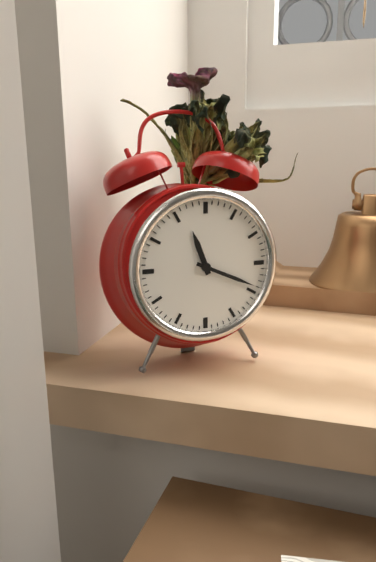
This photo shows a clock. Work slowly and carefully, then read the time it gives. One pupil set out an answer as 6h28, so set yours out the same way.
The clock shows 11h19
